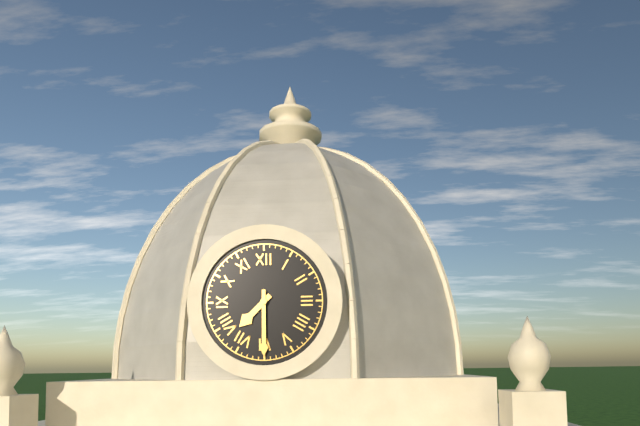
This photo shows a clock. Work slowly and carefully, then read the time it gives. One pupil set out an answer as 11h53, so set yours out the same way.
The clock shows 7h30
